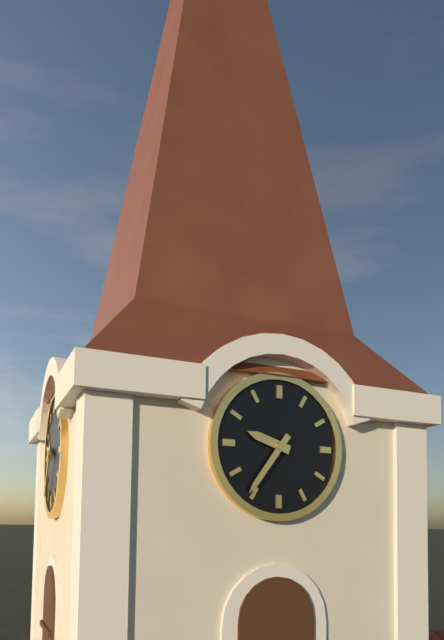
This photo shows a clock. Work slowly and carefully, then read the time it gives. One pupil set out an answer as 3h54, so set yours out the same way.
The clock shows 9h36
